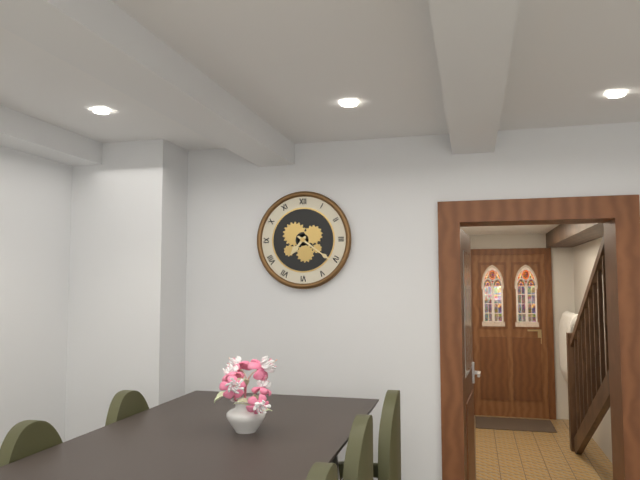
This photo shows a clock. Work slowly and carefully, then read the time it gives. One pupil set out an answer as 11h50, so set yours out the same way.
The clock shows 7h21
